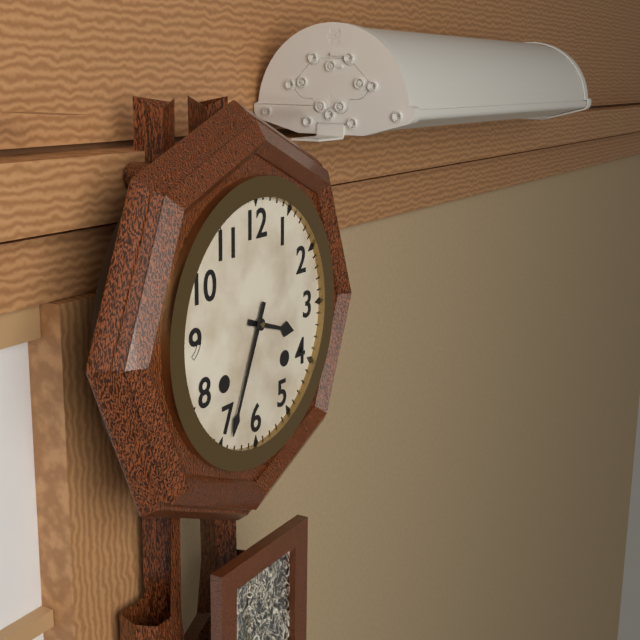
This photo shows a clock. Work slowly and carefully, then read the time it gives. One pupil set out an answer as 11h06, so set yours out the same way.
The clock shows 3h34
